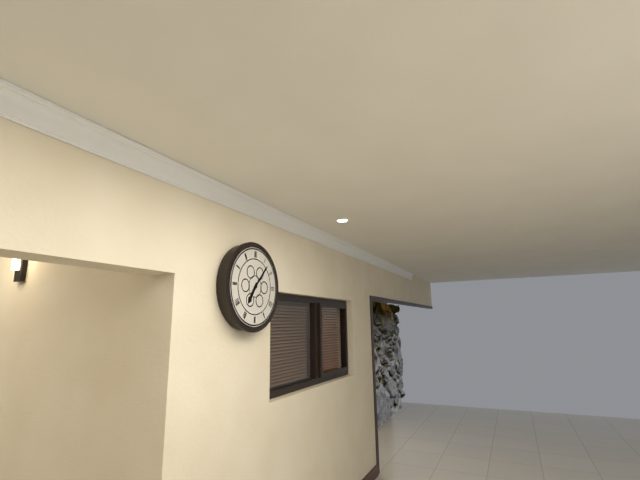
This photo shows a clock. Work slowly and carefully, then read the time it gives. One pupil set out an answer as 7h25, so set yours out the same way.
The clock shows 7h07
